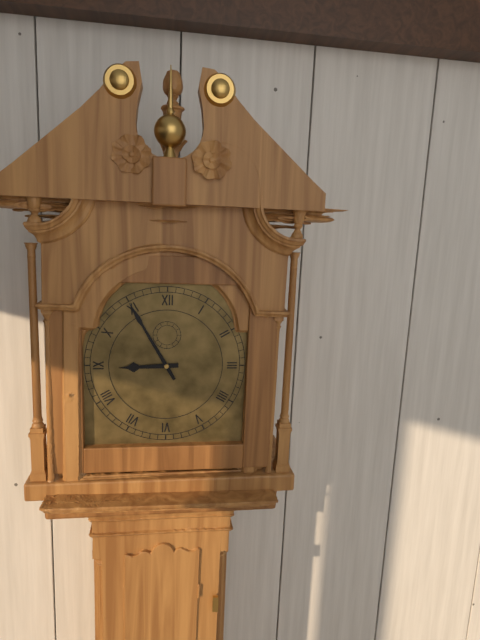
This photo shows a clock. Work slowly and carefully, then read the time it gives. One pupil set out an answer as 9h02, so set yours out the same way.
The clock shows 8h55
